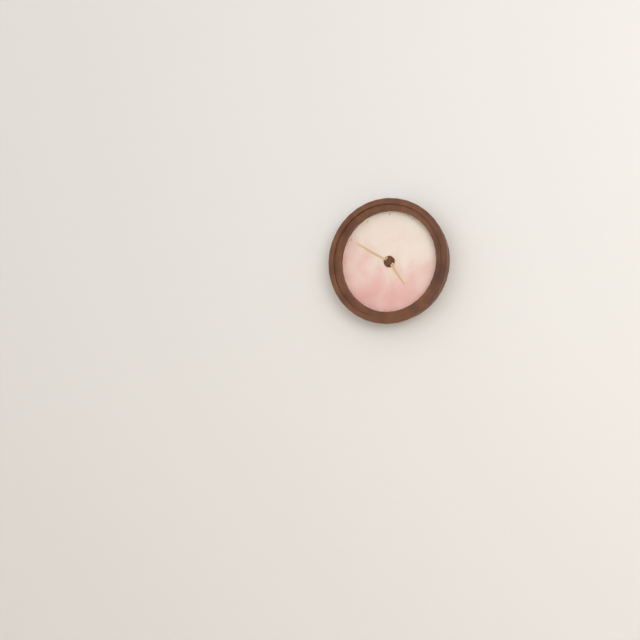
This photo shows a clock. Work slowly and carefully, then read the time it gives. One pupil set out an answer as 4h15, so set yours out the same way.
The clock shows 4h50
